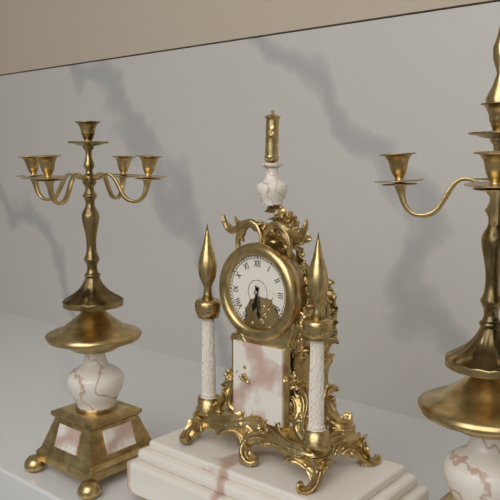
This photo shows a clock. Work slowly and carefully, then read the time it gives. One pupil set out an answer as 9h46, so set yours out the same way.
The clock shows 6h29
